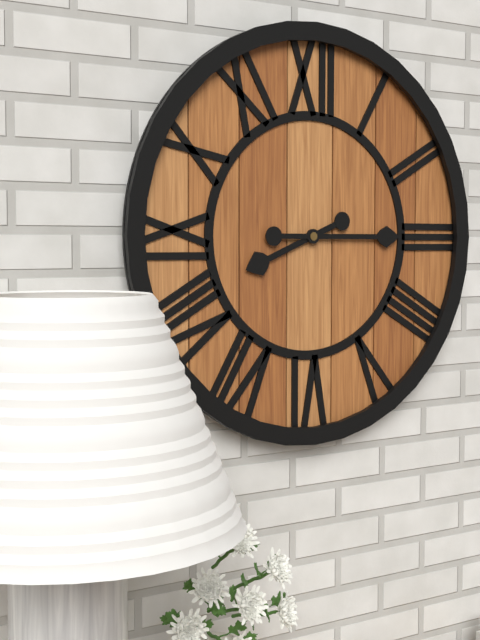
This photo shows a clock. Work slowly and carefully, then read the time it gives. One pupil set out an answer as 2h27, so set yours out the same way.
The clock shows 8h15
